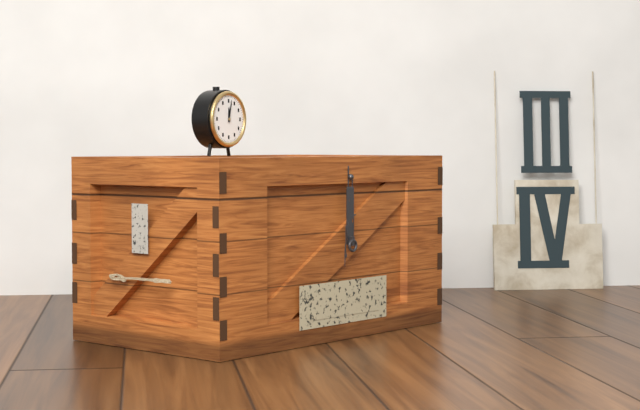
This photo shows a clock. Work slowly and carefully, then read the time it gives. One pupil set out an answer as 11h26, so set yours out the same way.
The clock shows 12h02
